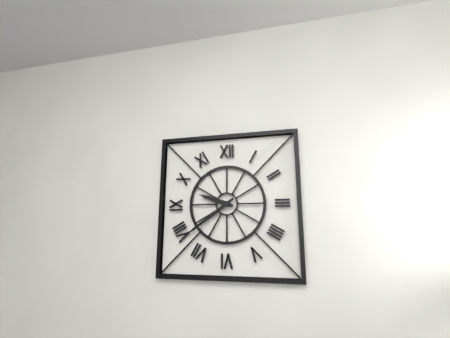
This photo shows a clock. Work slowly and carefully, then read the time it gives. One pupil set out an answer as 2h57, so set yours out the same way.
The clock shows 9h39
